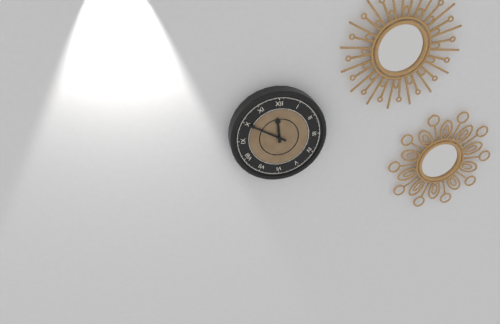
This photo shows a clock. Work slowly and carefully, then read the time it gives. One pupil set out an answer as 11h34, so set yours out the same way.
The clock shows 11h50
